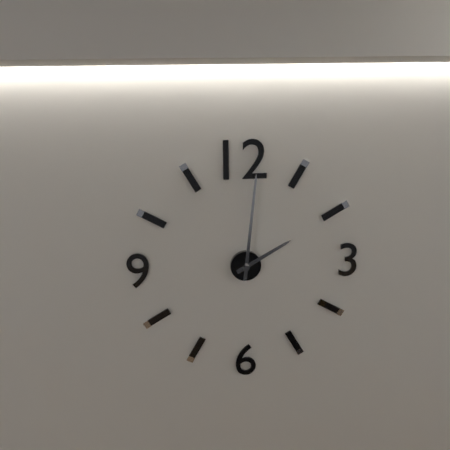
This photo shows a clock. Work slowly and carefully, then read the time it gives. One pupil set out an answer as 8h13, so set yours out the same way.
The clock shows 2h01
